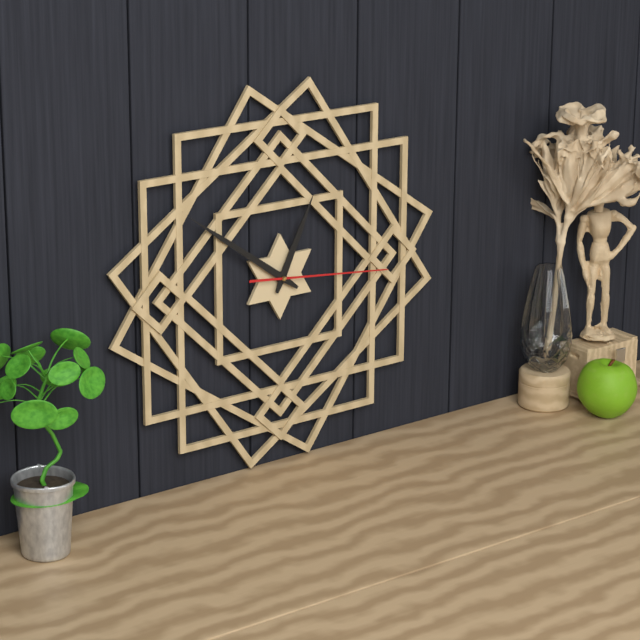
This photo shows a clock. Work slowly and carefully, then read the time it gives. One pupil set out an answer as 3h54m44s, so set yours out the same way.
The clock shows 12h51m16s
